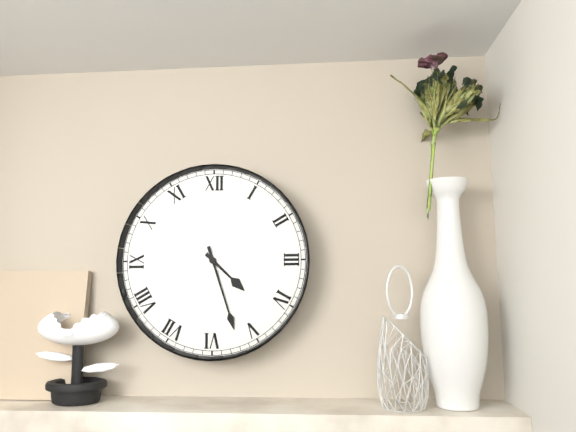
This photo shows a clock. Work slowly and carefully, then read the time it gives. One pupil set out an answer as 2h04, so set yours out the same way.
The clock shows 4h27
